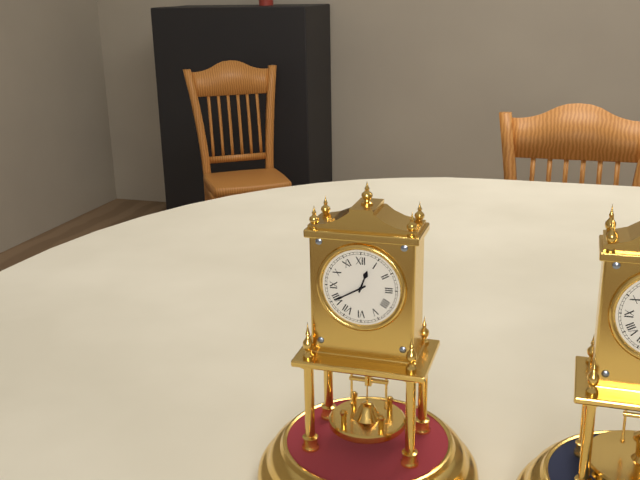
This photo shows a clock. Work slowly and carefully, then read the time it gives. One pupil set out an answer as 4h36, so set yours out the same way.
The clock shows 12h40
